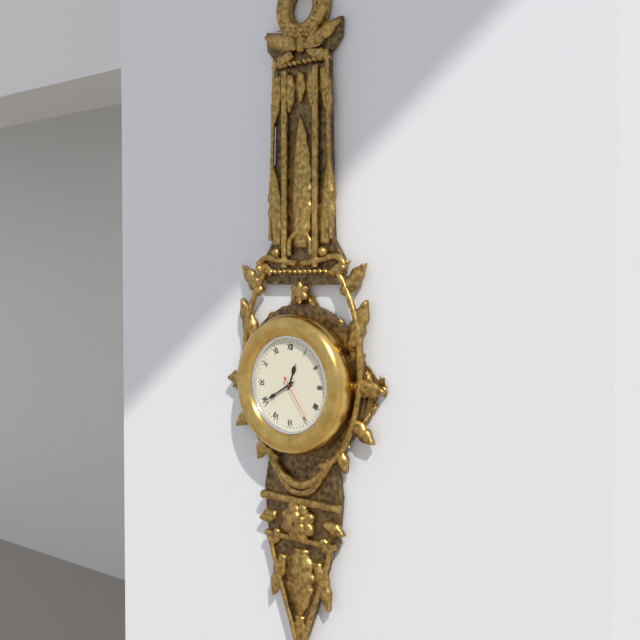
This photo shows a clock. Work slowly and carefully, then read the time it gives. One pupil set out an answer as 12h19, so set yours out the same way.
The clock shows 12h40
